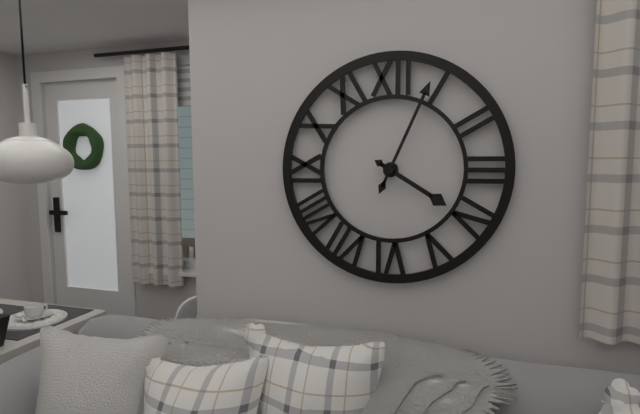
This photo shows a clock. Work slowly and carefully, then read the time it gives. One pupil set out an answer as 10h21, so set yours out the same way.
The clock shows 4h04
